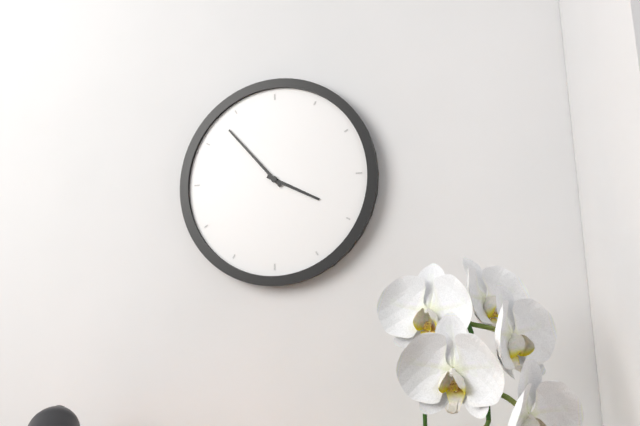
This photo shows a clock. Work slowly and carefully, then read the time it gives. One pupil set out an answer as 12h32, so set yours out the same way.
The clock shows 3h53
